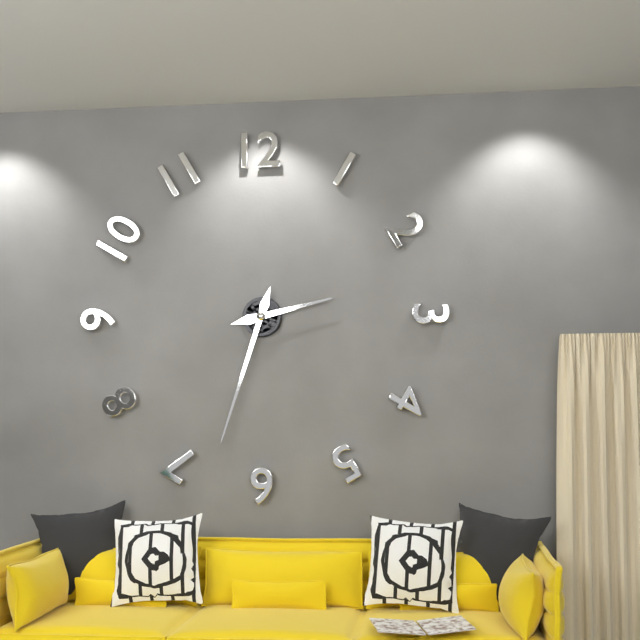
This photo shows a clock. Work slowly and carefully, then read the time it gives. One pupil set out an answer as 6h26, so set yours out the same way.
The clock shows 2h33
